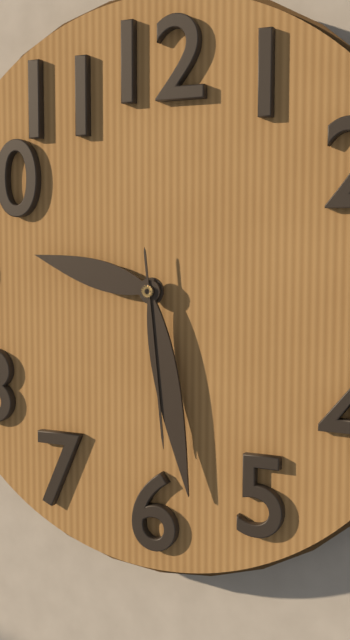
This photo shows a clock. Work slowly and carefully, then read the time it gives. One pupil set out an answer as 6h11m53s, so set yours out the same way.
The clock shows 9h28m29s
